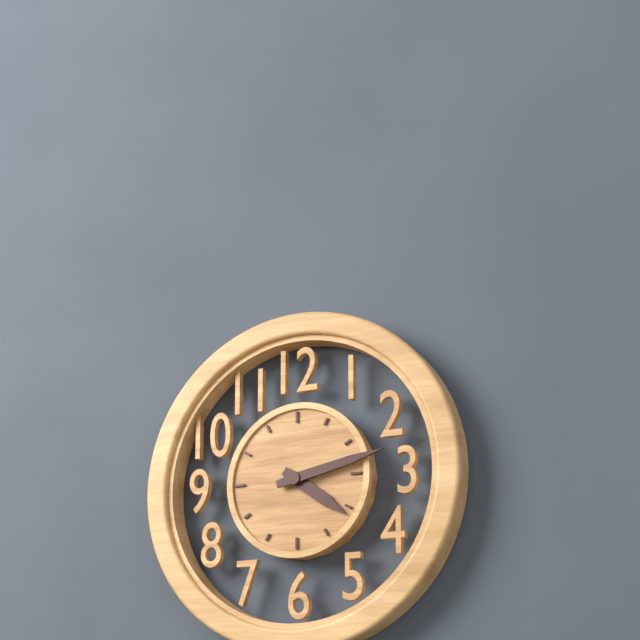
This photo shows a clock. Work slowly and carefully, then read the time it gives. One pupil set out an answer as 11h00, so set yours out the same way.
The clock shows 4h13
